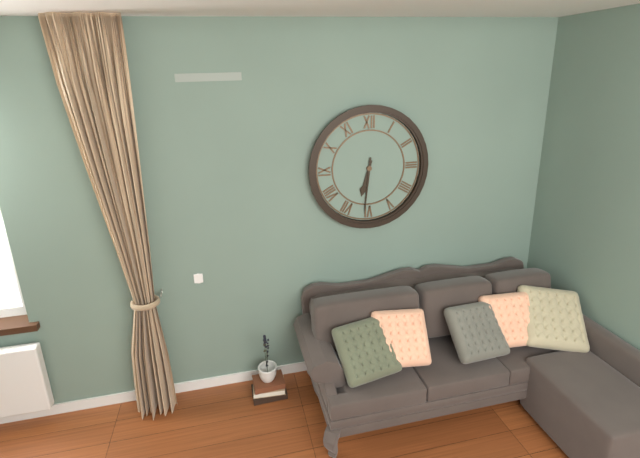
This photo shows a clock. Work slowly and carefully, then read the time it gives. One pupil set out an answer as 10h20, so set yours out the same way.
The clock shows 6h31
